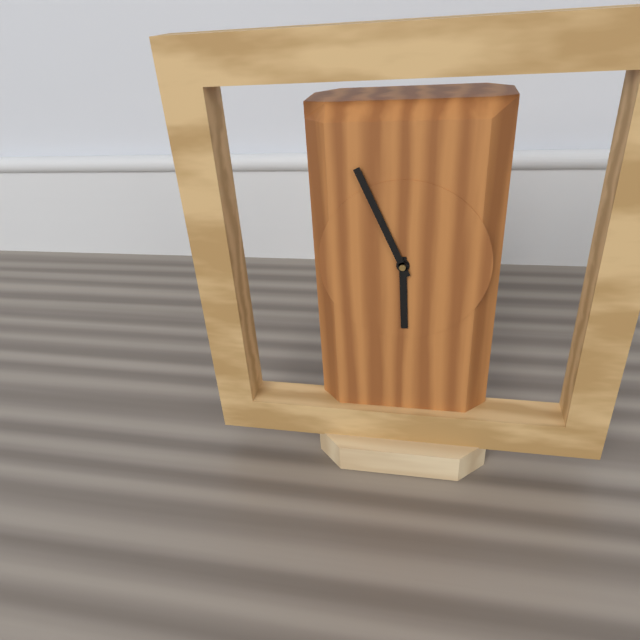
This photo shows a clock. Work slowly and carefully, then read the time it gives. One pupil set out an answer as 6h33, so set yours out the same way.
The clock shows 5h56
